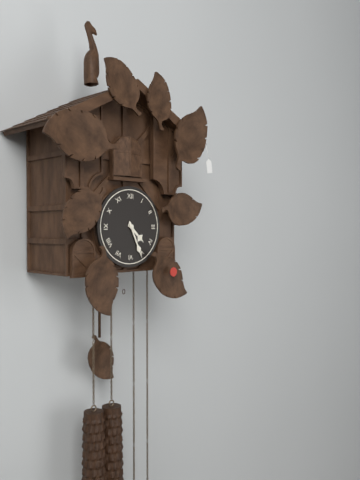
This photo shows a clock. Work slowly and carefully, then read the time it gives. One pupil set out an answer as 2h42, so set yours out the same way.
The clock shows 4h26
